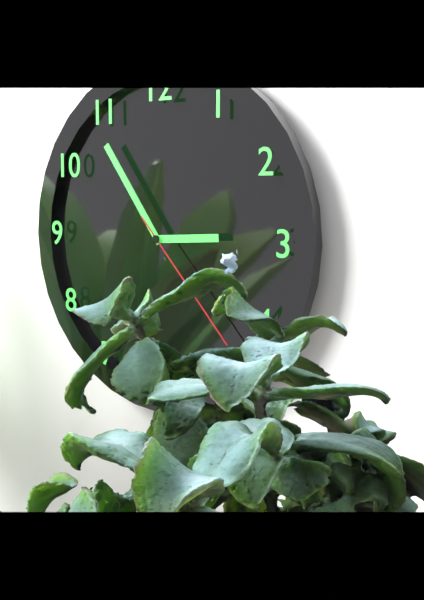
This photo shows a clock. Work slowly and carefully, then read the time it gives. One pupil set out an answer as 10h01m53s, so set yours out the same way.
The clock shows 2h54m23s
